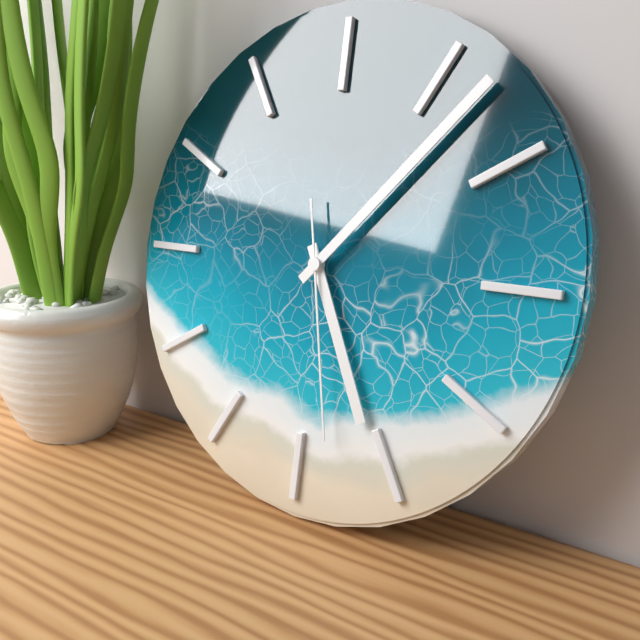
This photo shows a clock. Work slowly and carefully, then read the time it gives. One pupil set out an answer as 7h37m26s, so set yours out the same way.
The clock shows 5h07m28s
